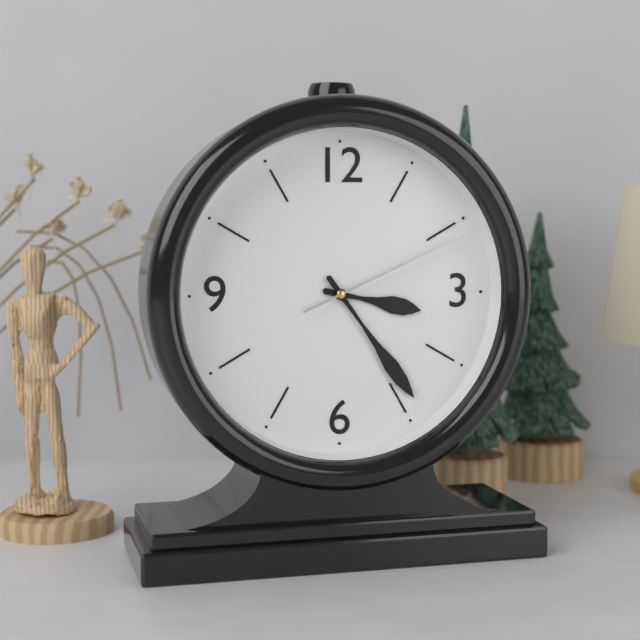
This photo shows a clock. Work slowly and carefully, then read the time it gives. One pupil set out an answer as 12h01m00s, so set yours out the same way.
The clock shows 3h24m11s
